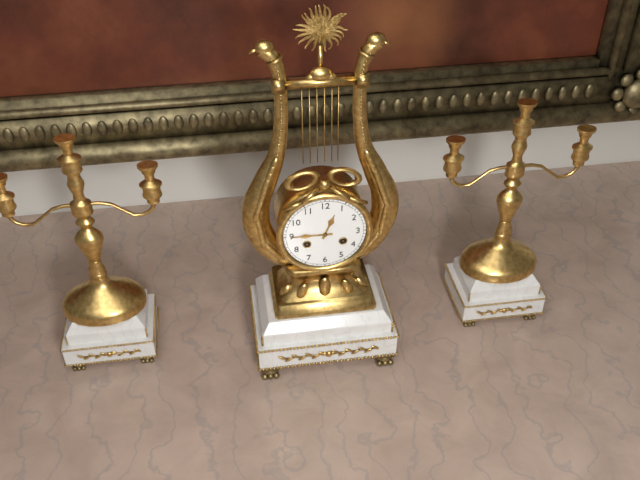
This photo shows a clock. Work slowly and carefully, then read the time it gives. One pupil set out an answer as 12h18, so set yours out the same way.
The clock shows 12h45
